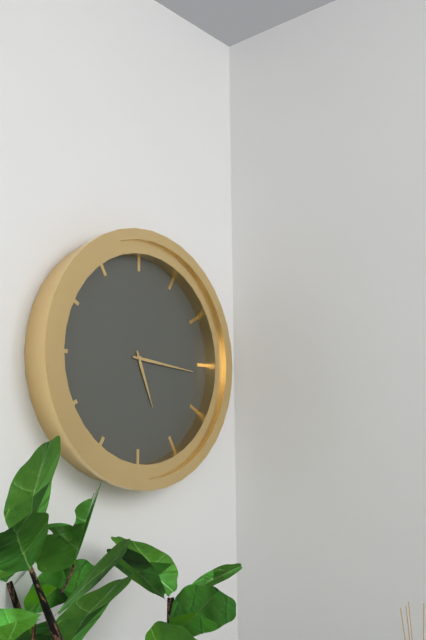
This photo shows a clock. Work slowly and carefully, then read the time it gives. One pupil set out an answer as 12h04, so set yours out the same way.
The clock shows 5h16
